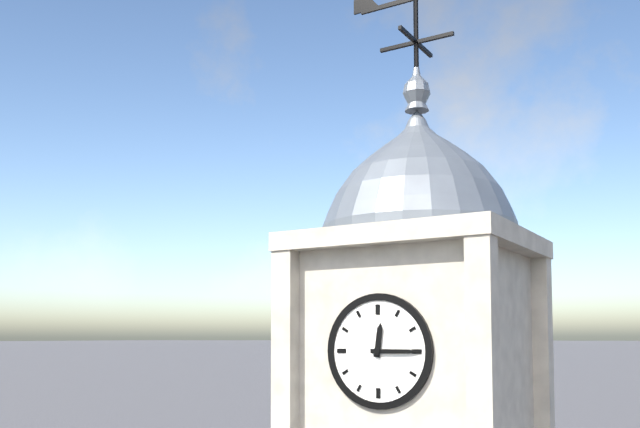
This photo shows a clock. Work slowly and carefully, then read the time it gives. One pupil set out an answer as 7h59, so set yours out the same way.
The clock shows 12h15
